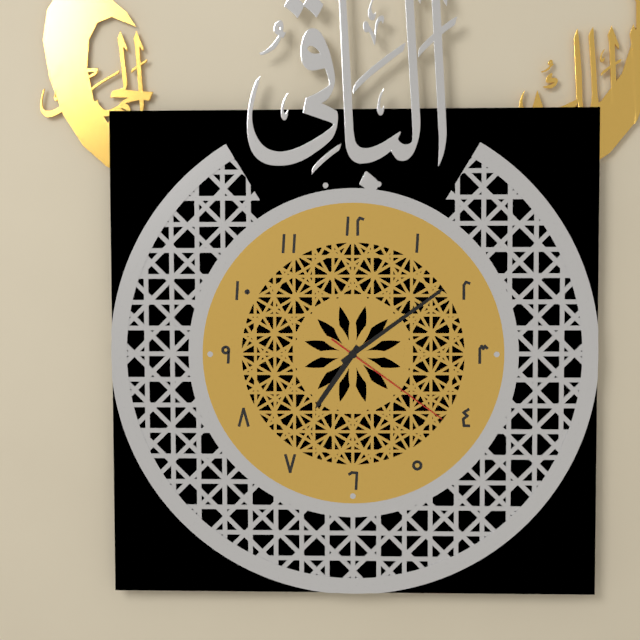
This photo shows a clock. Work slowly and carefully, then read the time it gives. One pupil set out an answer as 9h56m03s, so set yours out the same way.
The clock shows 7h09m21s
